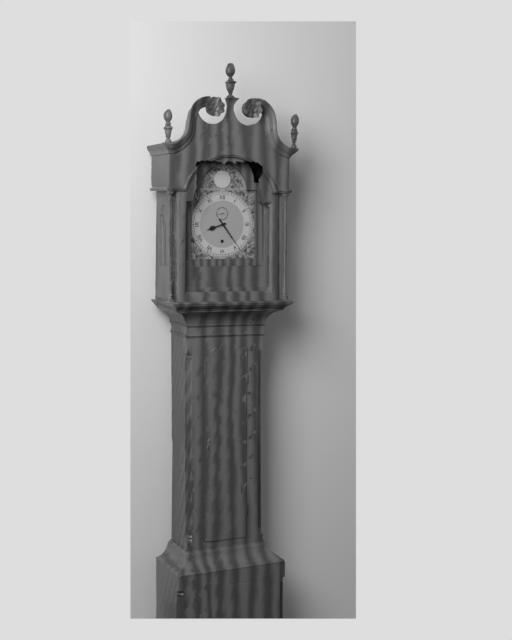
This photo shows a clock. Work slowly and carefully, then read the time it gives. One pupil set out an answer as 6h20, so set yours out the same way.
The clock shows 8h24
